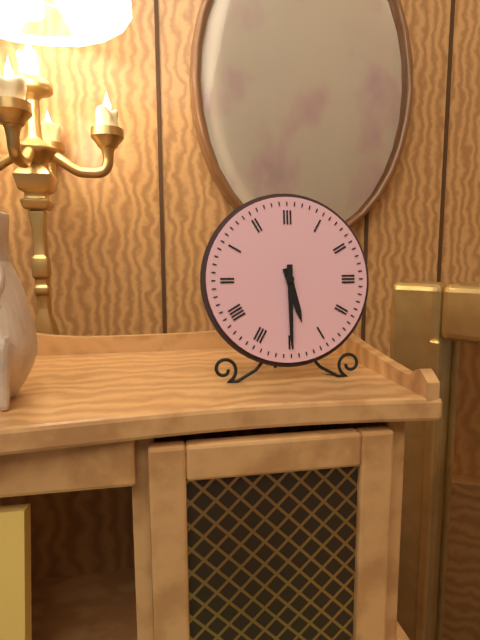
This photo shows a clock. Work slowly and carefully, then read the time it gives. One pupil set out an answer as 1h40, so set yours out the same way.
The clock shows 5h30
